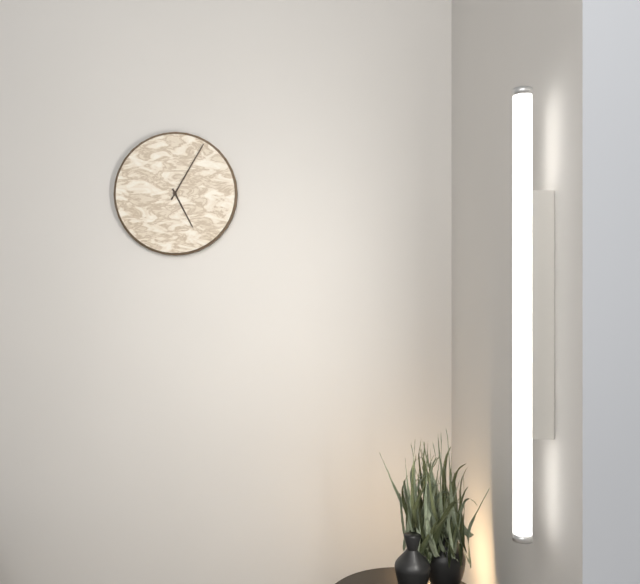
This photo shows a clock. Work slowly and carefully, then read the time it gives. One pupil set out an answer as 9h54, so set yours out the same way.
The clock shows 5h05
